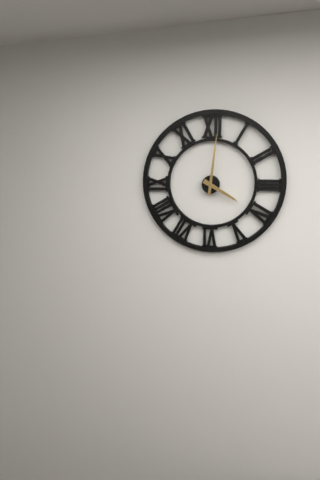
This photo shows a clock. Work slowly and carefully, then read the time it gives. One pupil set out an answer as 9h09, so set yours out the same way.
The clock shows 4h01
